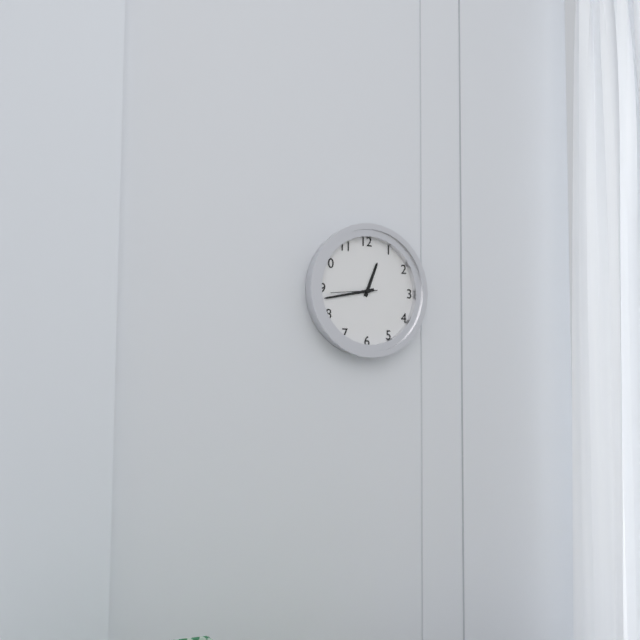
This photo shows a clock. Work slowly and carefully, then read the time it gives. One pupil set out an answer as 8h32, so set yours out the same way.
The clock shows 12h43
